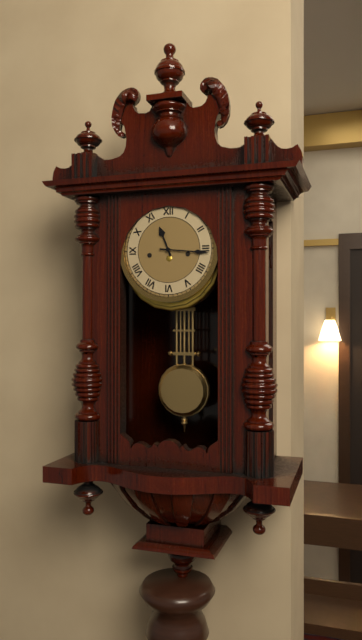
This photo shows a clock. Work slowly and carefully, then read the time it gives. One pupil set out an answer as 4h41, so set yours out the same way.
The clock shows 11h16
